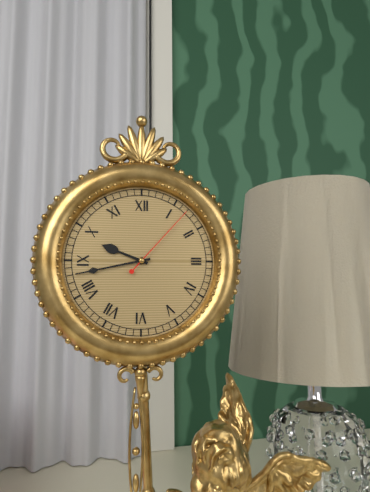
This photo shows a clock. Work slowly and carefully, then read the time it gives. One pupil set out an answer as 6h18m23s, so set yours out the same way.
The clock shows 9h43m07s
